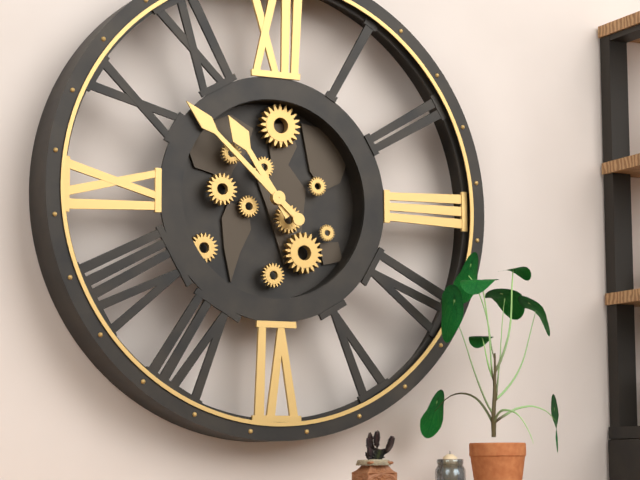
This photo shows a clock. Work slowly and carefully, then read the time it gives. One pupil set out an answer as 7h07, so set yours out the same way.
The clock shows 10h52
